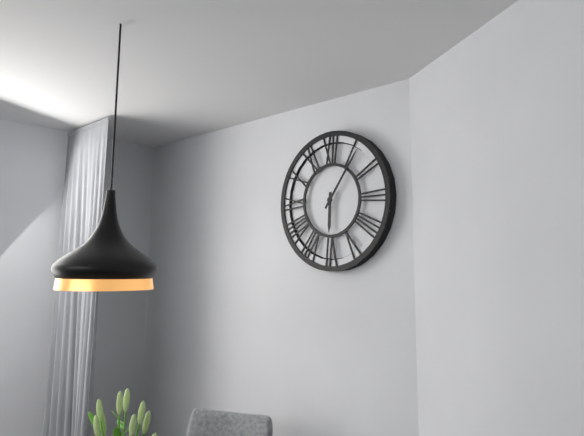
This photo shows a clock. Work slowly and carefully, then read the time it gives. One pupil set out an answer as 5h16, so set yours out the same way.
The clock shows 6h06
